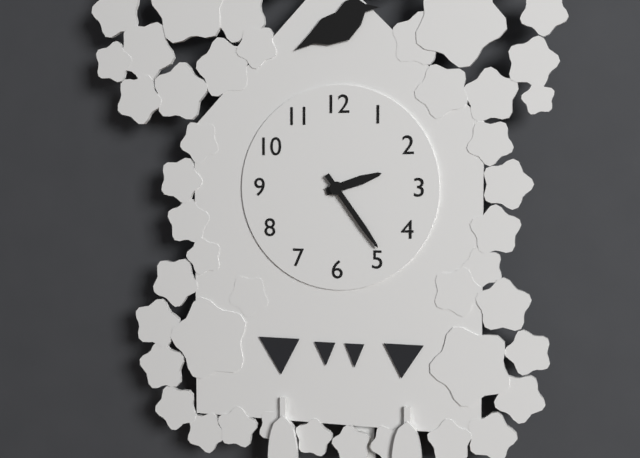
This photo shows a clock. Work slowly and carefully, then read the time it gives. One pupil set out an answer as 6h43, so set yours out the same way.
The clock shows 2h24
